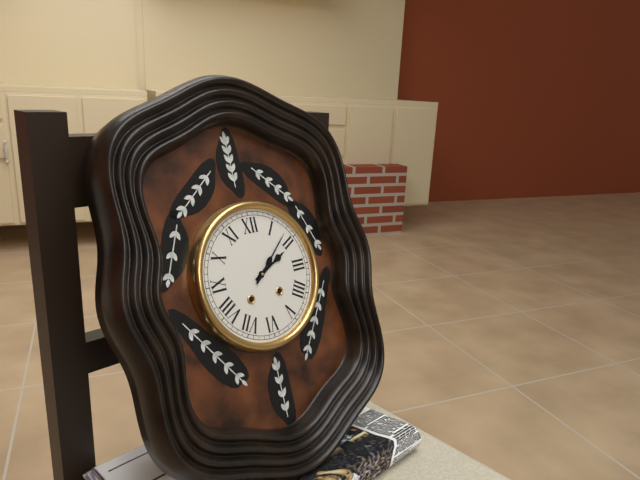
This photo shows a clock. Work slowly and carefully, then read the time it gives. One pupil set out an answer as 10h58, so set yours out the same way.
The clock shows 2h08
